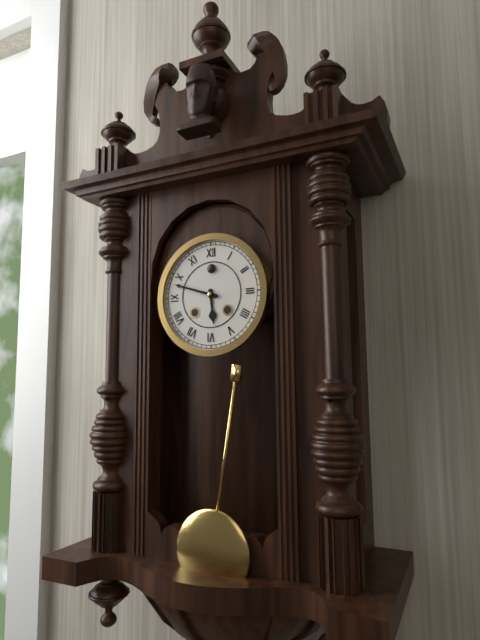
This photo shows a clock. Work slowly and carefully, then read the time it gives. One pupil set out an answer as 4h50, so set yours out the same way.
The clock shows 5h48
